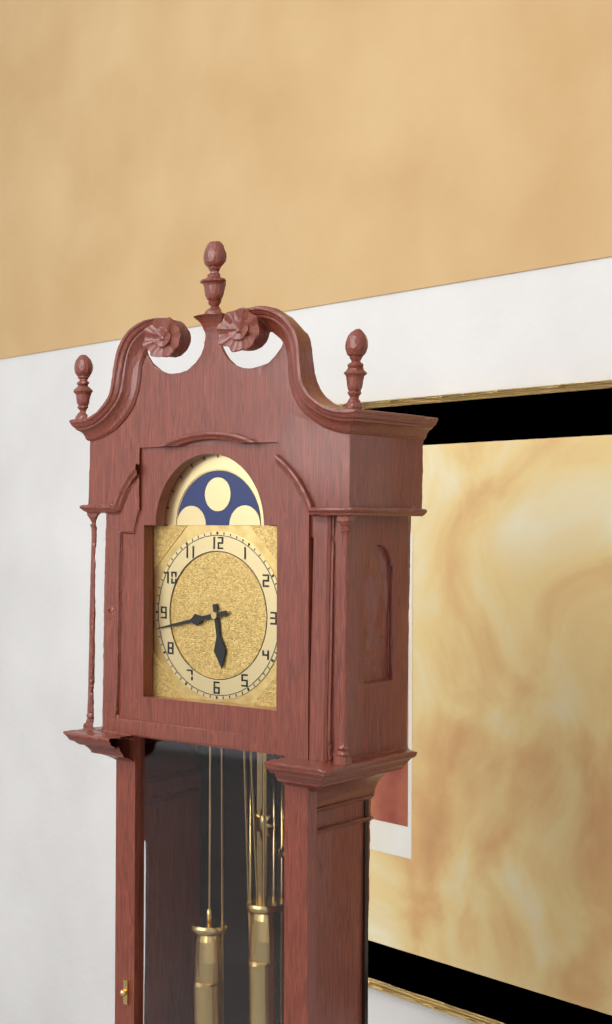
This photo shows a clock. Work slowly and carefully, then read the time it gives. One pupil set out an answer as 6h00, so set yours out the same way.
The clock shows 5h43
